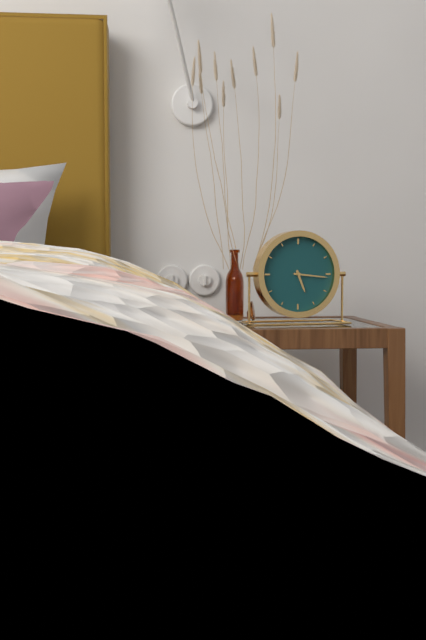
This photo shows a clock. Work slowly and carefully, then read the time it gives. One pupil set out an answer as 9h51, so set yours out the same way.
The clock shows 5h16
